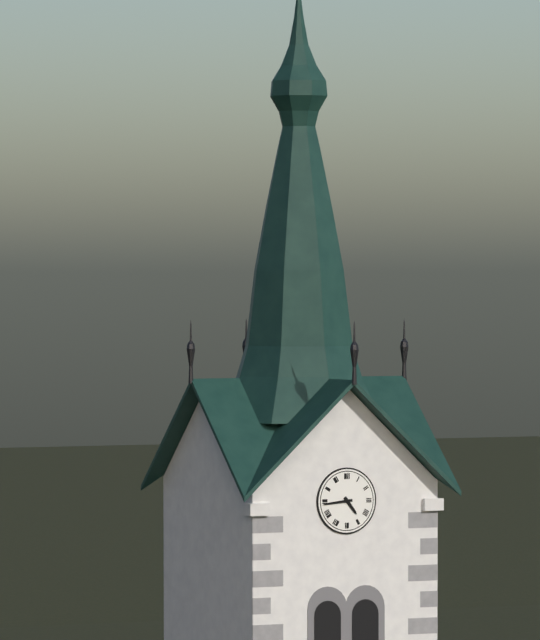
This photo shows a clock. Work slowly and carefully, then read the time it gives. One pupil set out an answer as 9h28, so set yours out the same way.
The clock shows 4h44
